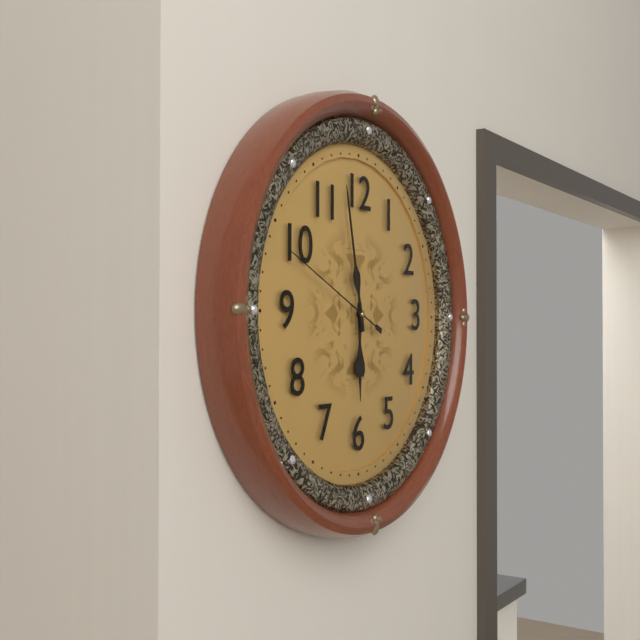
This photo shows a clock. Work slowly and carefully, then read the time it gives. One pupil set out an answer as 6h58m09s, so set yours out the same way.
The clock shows 5h58m49s
